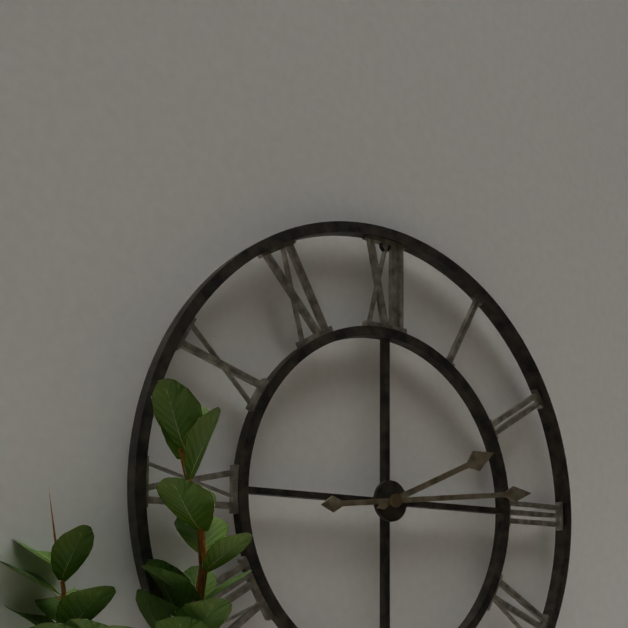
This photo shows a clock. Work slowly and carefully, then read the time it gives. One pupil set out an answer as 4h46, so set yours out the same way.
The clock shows 2h14
